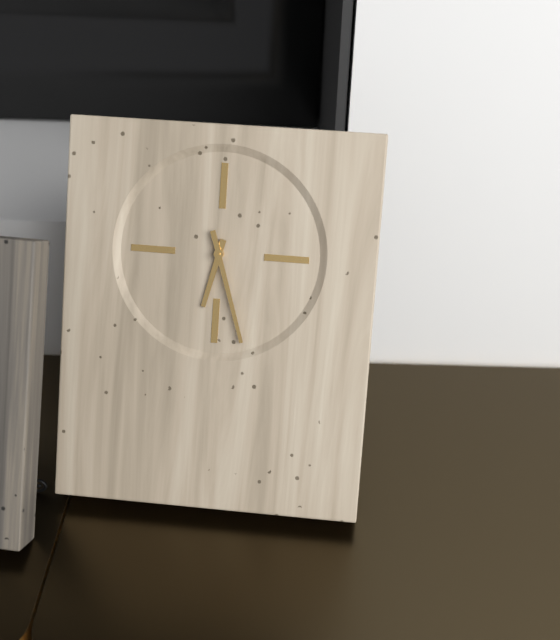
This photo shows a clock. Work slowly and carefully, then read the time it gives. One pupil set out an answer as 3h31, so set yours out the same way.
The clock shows 6h27
